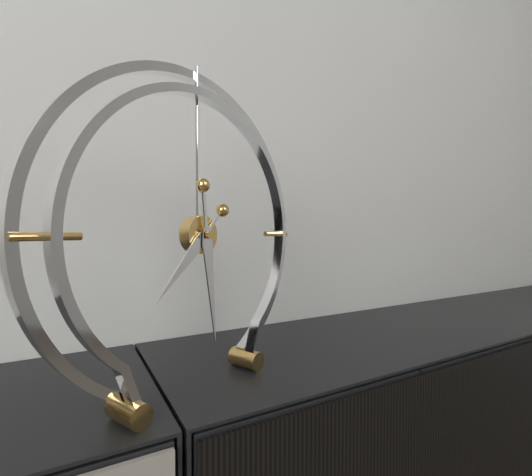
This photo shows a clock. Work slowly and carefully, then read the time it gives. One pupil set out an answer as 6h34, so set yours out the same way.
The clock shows 7h29
